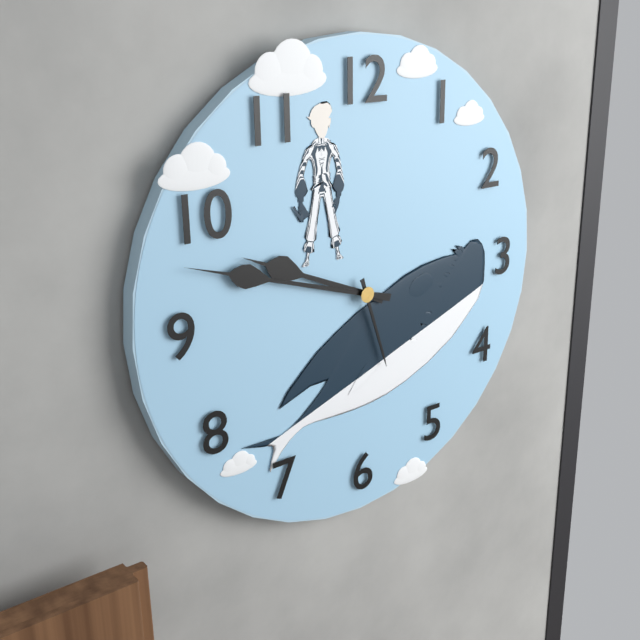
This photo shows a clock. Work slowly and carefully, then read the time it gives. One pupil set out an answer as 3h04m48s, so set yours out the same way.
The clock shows 9h48m27s
